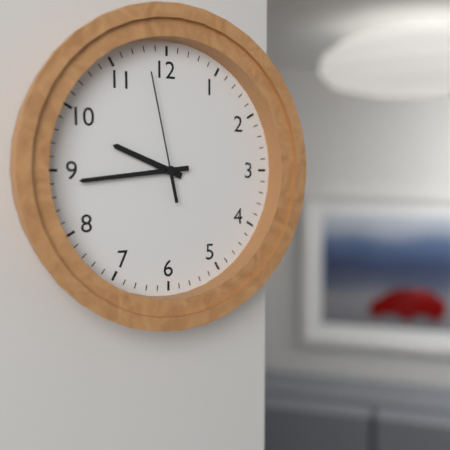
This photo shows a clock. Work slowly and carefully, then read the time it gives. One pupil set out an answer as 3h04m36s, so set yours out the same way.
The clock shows 9h44m58s
